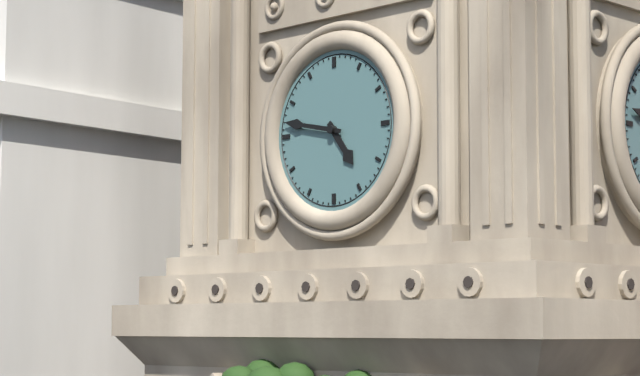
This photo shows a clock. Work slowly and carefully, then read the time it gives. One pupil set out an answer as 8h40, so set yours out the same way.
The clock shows 4h47
